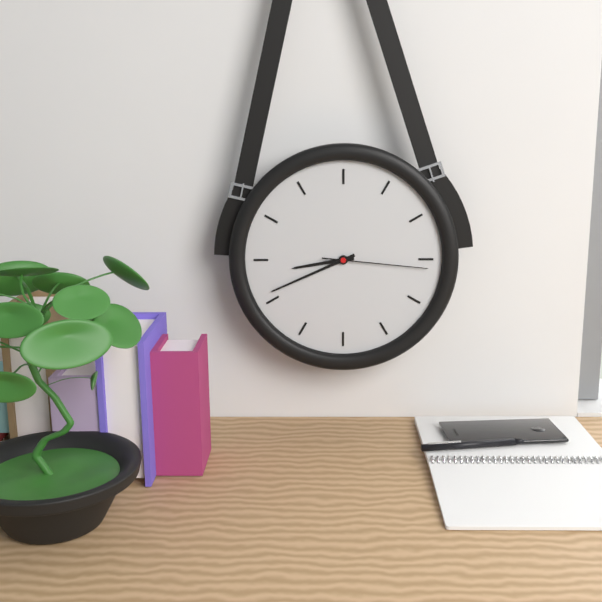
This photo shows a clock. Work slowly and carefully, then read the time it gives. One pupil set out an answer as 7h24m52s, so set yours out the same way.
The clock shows 8h41m16s
